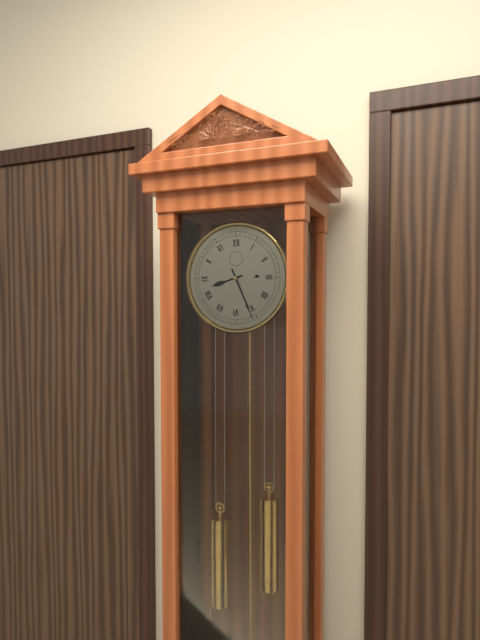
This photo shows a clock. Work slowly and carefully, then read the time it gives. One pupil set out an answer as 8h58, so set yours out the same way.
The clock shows 8h26
